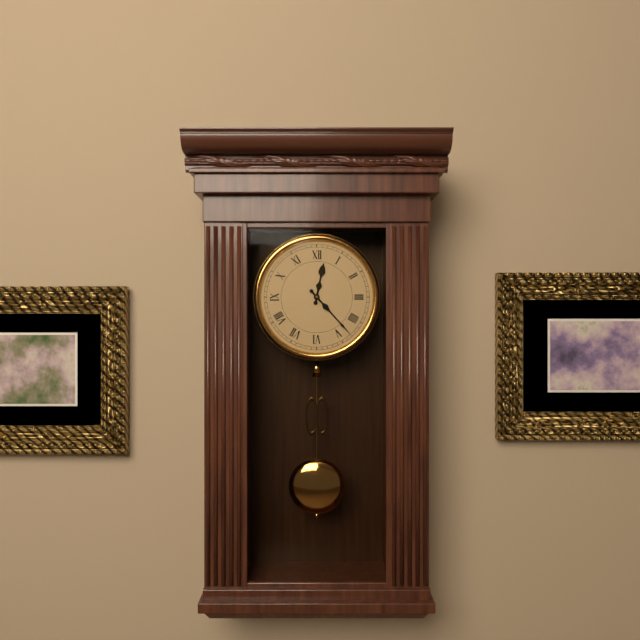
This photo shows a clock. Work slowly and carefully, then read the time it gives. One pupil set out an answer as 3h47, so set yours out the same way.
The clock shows 12h23
